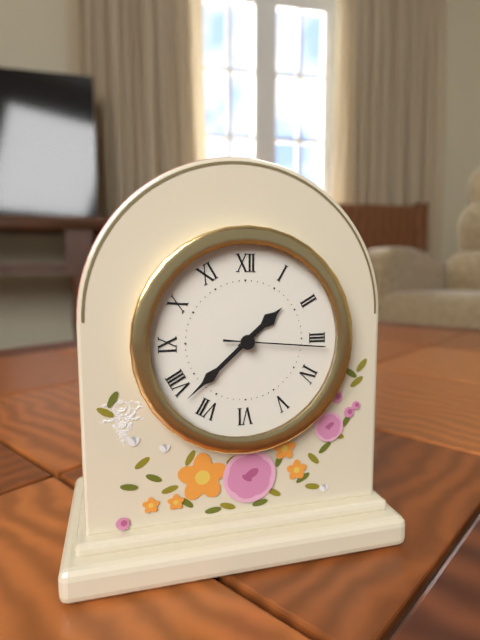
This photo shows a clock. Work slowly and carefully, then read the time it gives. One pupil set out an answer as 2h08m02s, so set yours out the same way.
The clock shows 1h38m16s
